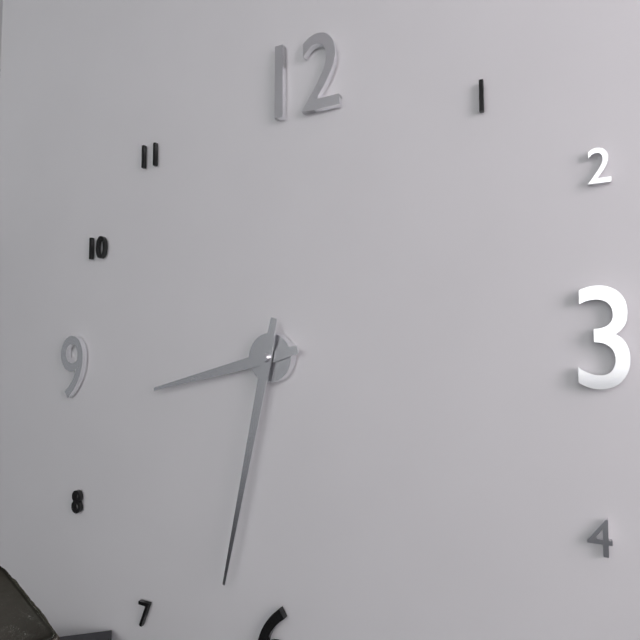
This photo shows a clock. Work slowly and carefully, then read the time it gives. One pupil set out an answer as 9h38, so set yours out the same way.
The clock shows 8h32
